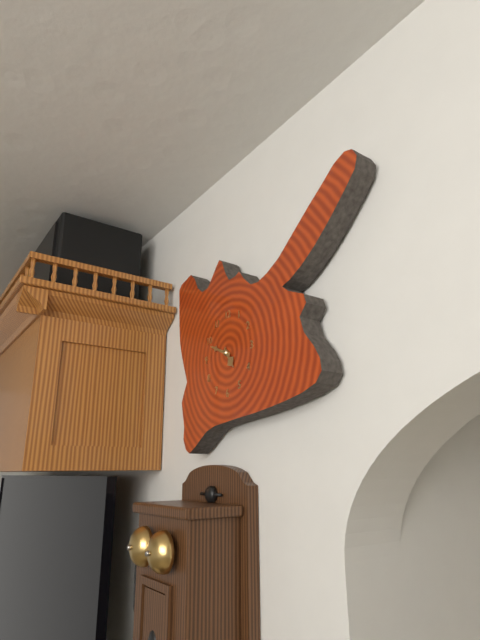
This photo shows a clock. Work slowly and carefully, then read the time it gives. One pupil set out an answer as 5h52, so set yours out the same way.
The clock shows 4h49
